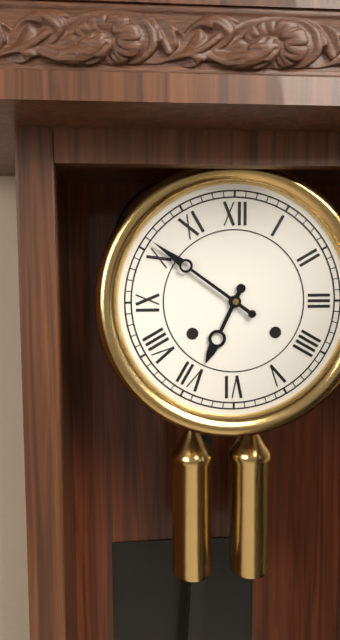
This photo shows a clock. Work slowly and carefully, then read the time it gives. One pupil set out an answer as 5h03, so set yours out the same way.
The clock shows 6h51
